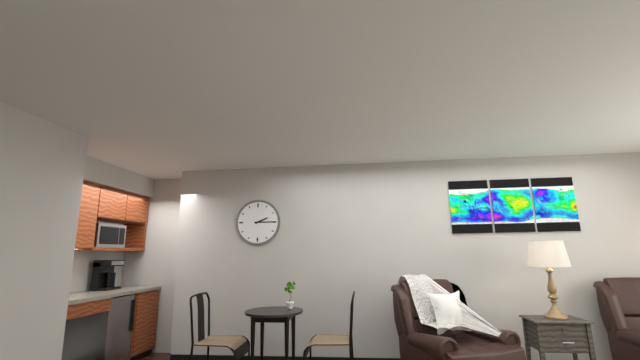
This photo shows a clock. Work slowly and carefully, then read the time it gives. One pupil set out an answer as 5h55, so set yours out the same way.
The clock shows 2h15
